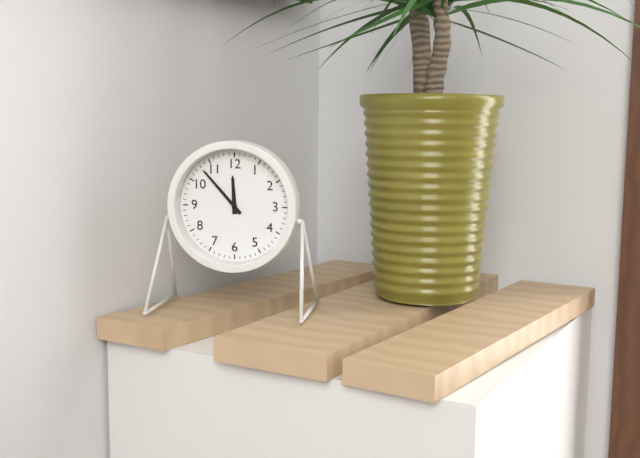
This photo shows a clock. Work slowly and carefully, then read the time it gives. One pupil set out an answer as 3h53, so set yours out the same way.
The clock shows 11h53
